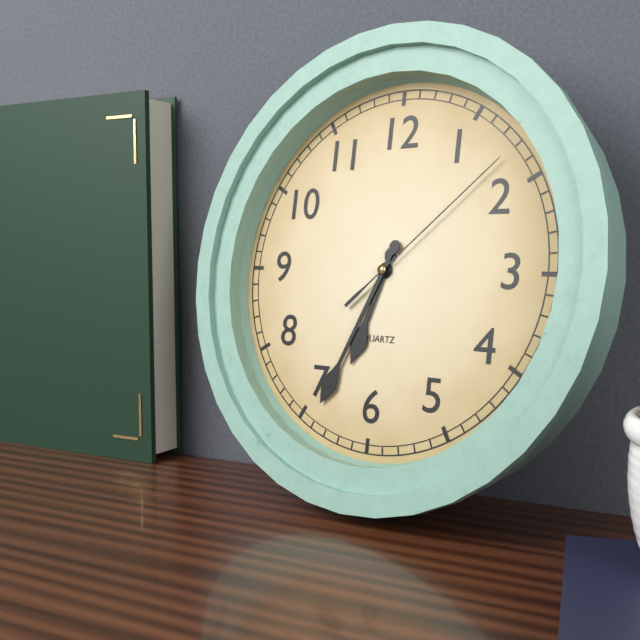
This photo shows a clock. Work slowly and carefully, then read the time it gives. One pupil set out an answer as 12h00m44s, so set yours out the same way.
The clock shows 6h34m08s
